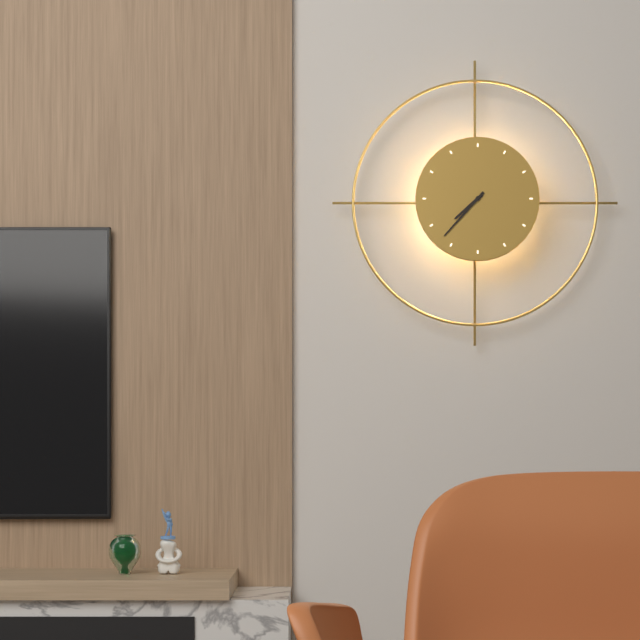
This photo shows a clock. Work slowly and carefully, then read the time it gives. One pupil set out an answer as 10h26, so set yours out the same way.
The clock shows 7h37
